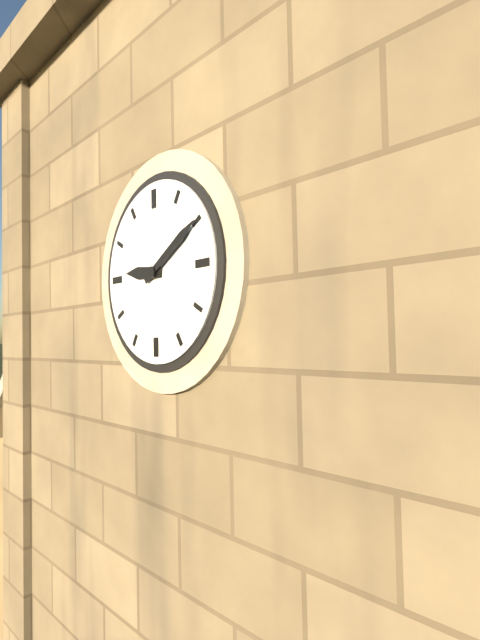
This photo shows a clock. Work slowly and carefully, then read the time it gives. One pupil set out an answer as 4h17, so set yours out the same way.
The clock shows 9h10
